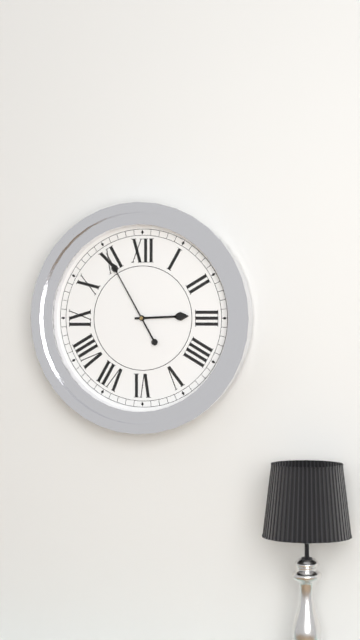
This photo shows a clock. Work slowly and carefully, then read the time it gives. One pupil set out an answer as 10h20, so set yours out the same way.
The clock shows 2h55
